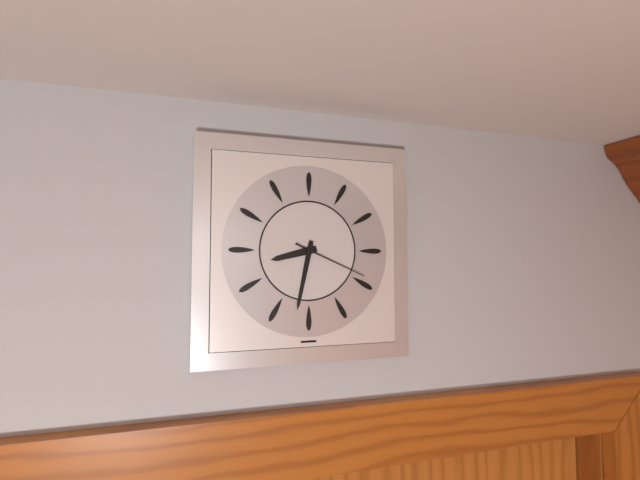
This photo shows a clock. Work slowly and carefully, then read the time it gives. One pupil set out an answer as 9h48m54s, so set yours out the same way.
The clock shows 8h32m19s
